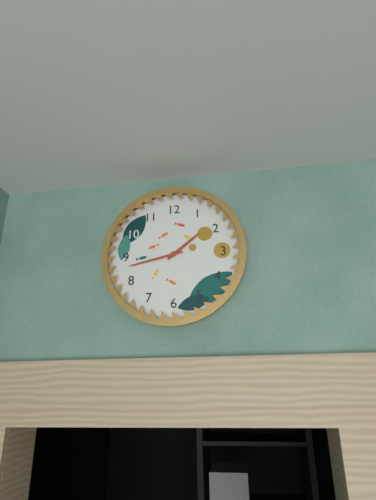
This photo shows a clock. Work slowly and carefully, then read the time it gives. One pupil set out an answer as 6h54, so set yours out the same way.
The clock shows 1h43
